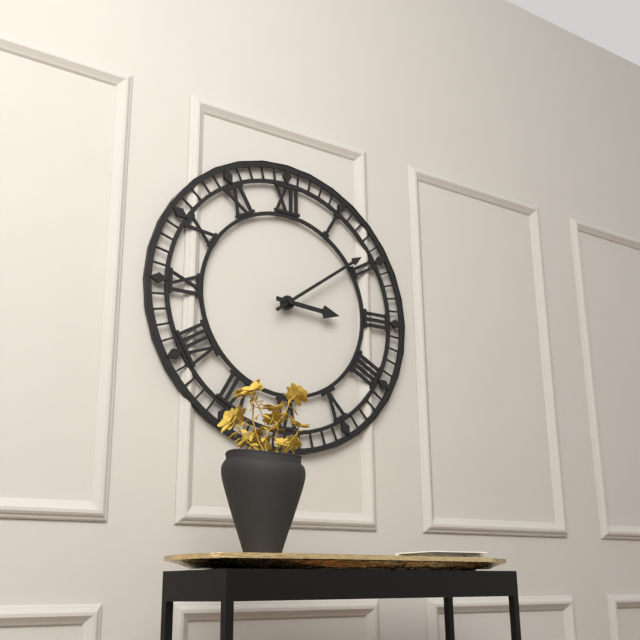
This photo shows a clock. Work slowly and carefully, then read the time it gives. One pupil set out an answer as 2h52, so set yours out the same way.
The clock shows 3h09
